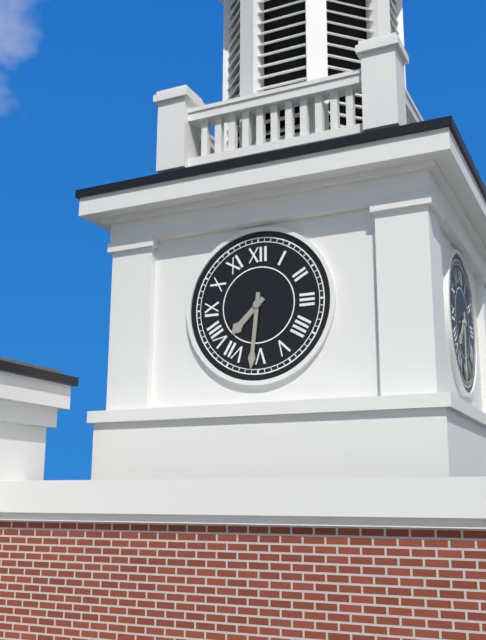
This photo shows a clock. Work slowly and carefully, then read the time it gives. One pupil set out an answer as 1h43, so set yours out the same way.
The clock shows 7h31
